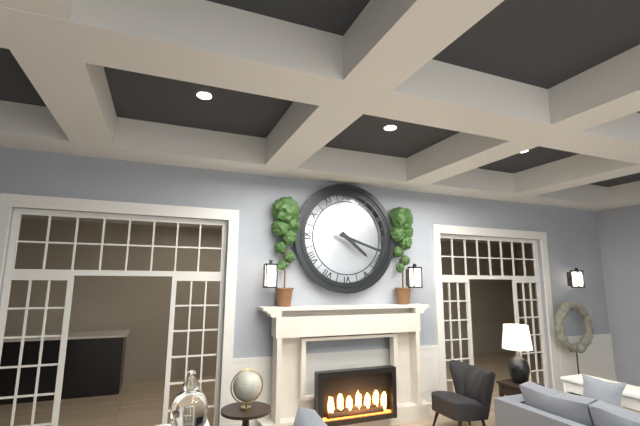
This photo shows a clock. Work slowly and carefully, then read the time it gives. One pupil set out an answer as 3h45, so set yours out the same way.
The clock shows 4h18
